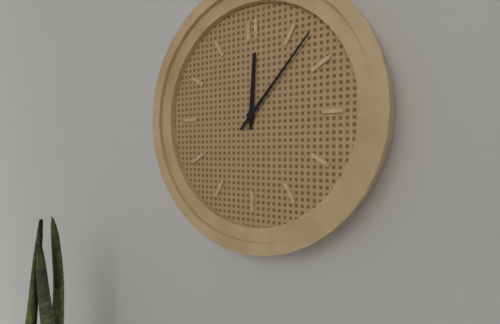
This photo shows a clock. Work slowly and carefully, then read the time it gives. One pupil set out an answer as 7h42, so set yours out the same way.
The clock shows 12h07
